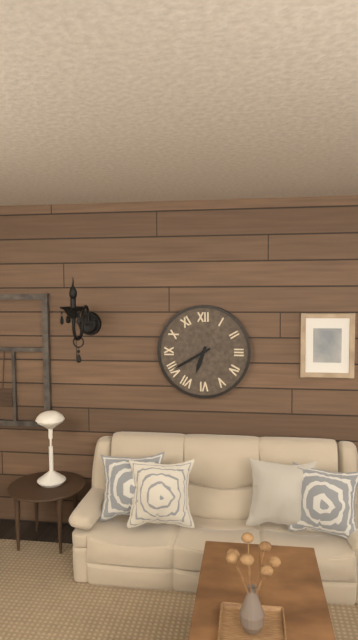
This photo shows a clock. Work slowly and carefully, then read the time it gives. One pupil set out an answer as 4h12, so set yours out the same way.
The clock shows 6h40
